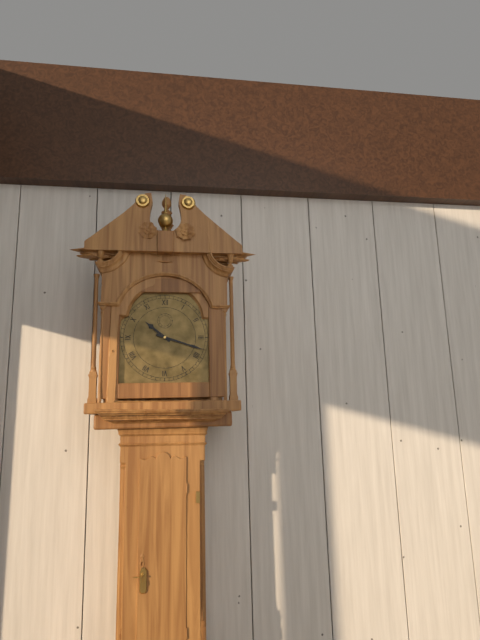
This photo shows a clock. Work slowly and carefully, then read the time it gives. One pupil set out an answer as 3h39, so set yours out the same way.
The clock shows 10h18
